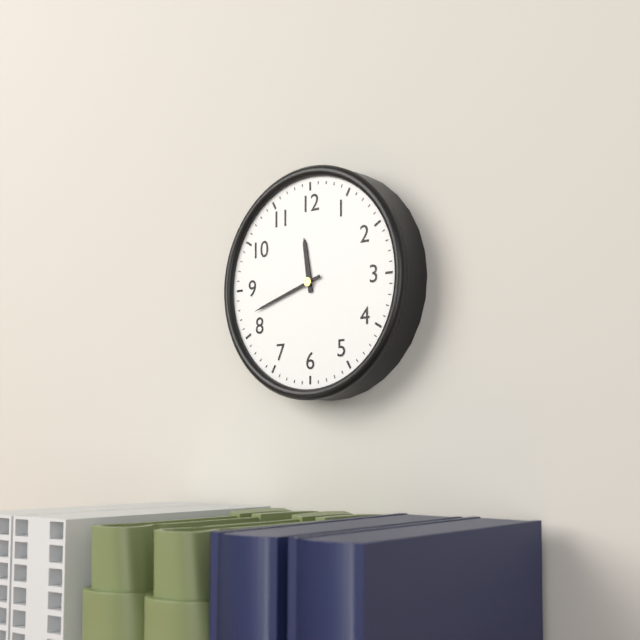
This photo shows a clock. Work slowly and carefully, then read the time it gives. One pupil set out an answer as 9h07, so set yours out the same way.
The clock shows 11h42
